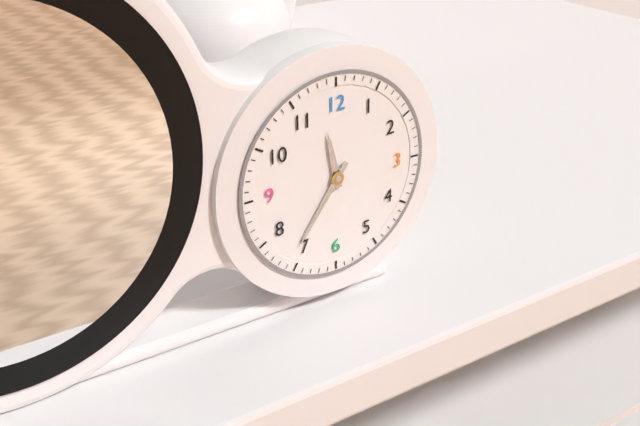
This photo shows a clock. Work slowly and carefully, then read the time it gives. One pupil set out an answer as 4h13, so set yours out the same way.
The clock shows 11h36
